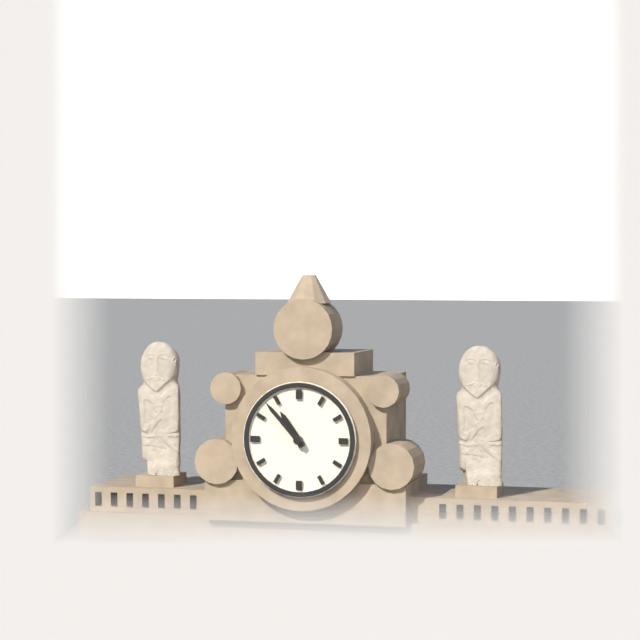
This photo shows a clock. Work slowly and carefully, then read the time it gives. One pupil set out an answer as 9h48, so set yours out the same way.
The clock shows 10h53
